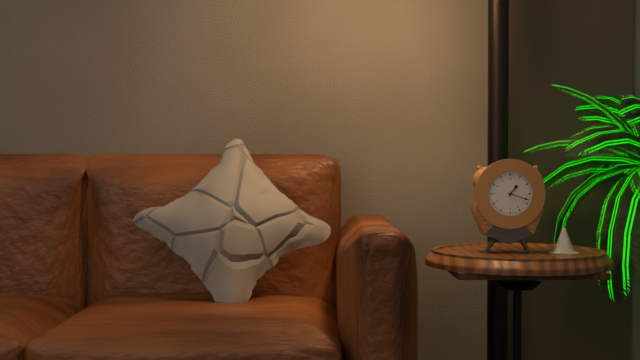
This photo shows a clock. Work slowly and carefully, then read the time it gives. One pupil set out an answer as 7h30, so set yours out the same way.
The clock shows 1h18
